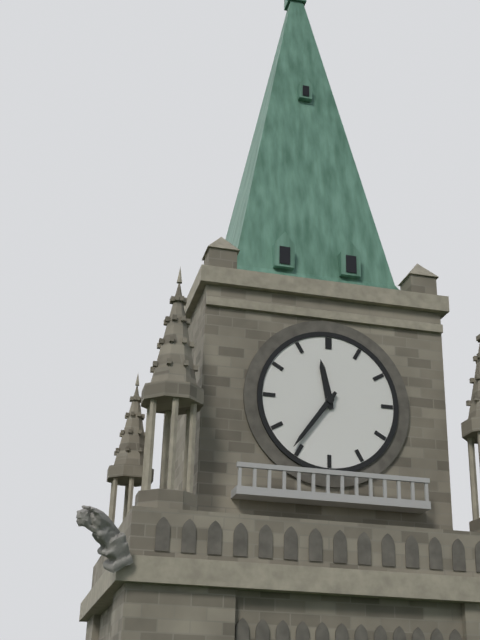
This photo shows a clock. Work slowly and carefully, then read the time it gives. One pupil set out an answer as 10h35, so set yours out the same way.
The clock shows 11h36
